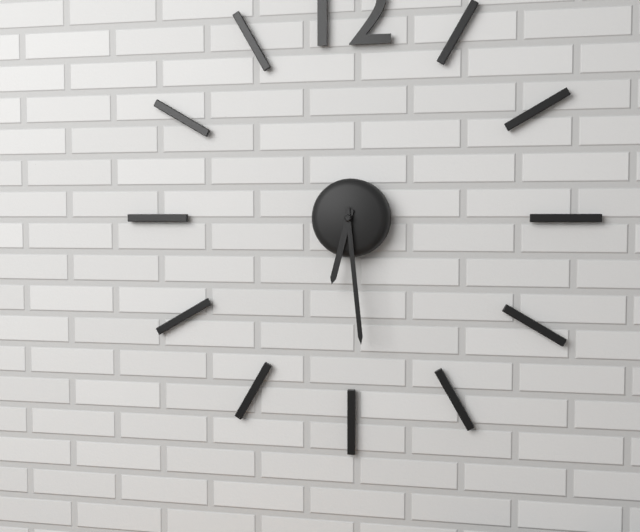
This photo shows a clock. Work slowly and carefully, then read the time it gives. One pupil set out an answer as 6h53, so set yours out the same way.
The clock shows 6h29
